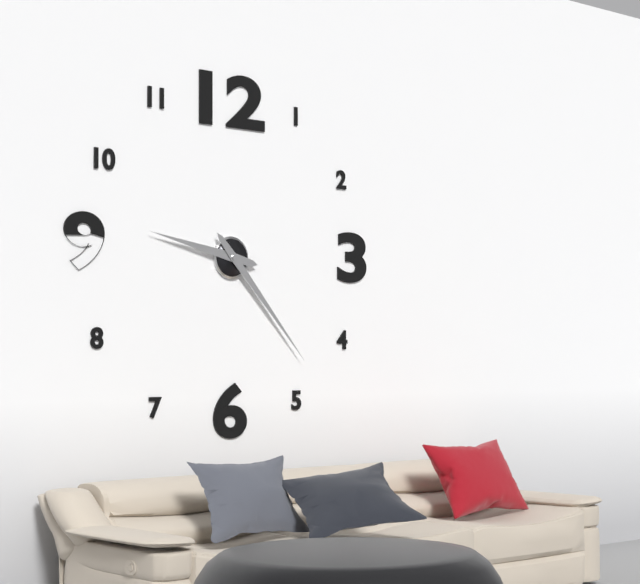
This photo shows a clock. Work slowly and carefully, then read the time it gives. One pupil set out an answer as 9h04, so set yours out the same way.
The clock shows 9h23
